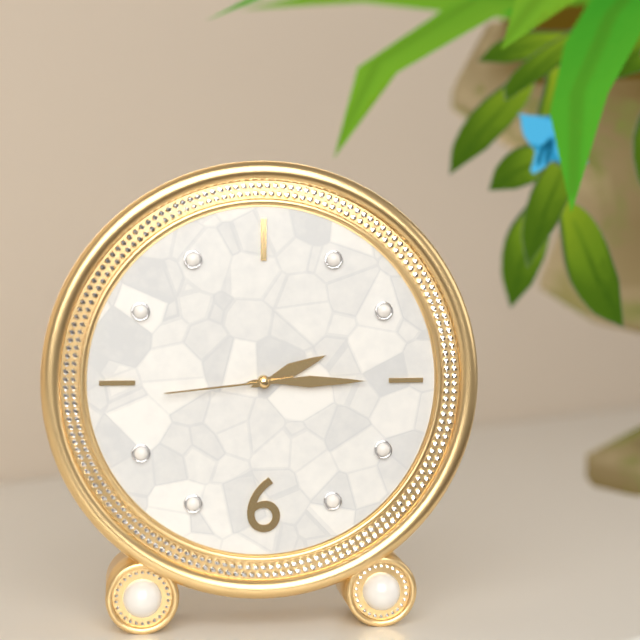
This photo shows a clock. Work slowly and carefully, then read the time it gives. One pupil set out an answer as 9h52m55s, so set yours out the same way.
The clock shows 2h15m44s
